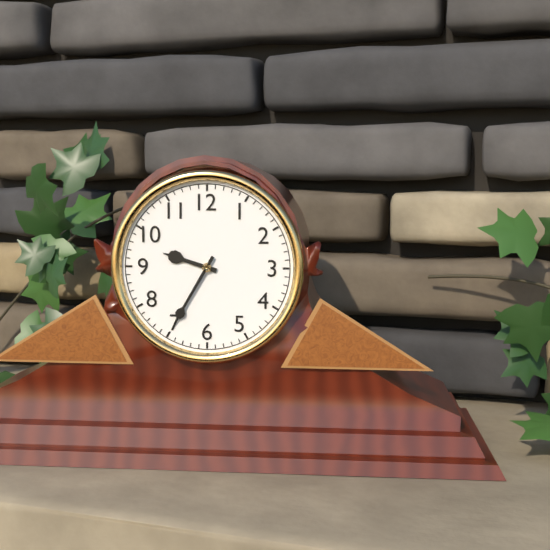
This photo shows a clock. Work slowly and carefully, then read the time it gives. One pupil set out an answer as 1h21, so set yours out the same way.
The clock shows 9h35
